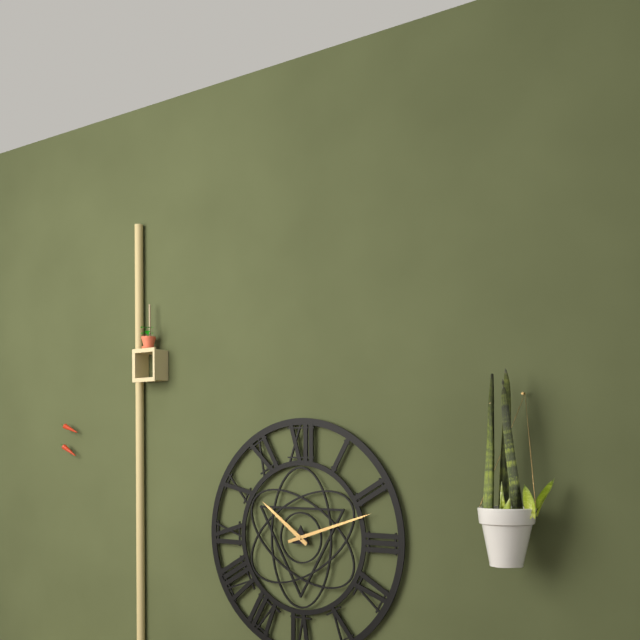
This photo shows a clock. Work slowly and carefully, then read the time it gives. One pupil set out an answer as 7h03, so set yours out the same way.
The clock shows 10h12
